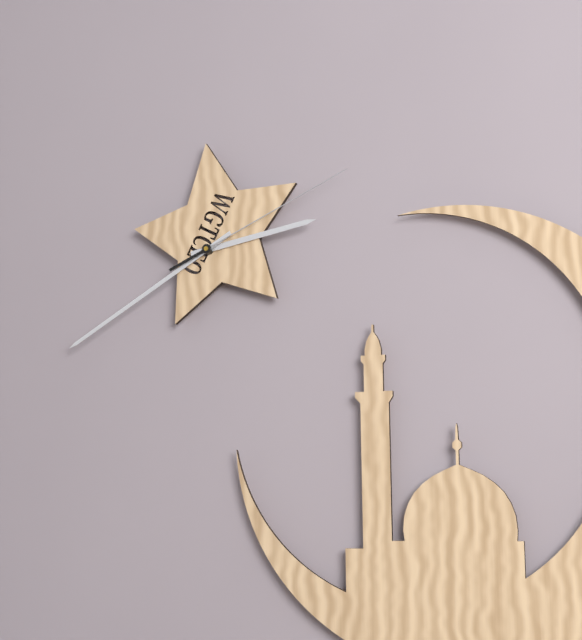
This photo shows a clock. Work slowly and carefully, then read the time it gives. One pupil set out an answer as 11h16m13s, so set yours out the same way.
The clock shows 2h40m11s
